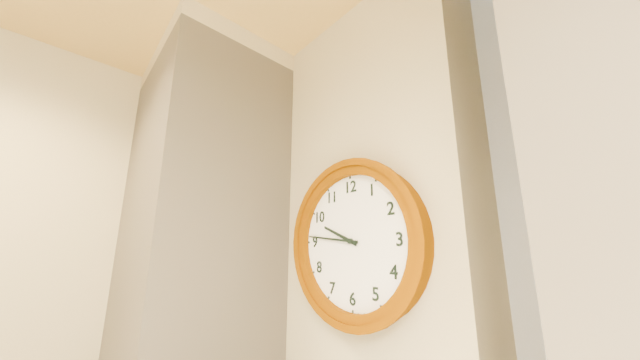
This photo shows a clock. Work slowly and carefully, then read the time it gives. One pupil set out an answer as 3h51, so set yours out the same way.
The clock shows 9h46
